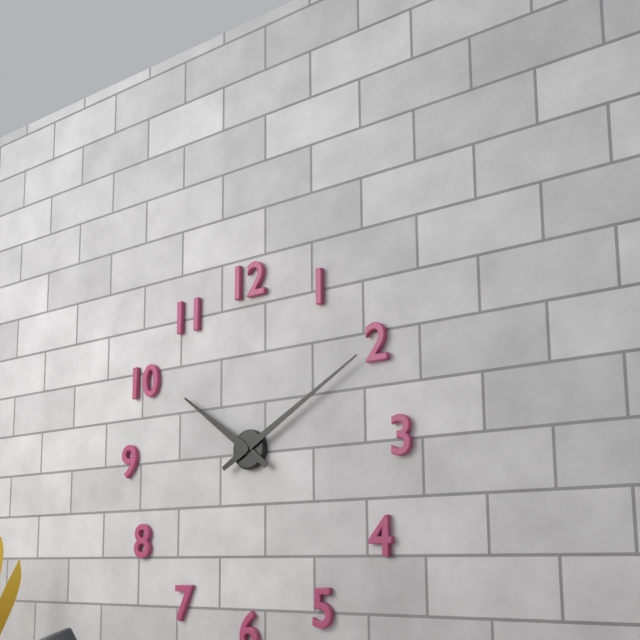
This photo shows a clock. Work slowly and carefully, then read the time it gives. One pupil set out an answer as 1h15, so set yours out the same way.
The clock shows 10h10
